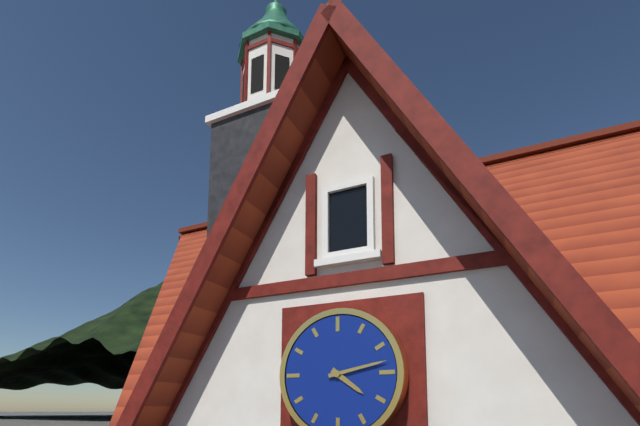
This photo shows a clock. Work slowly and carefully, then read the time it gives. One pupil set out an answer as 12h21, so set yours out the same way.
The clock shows 4h13
